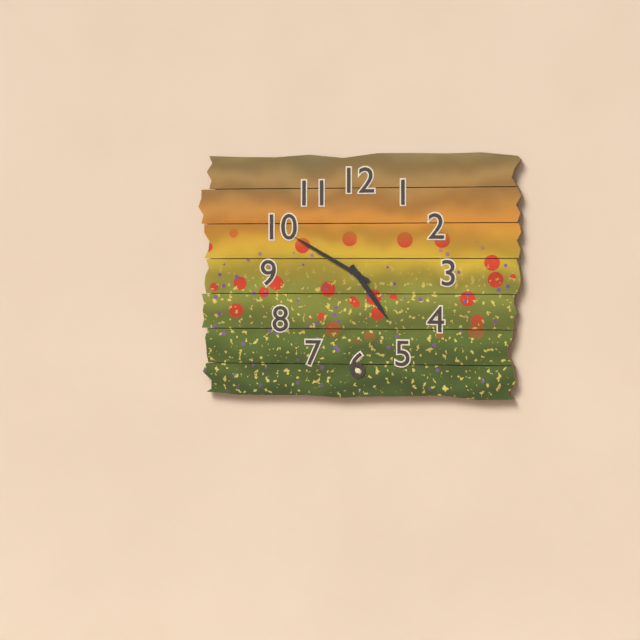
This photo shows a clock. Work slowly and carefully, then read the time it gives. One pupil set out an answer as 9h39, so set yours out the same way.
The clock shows 4h50
